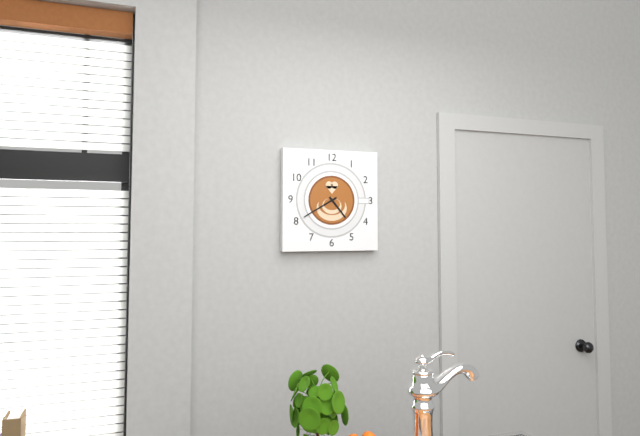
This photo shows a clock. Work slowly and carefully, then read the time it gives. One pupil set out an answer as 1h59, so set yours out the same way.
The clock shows 4h40
